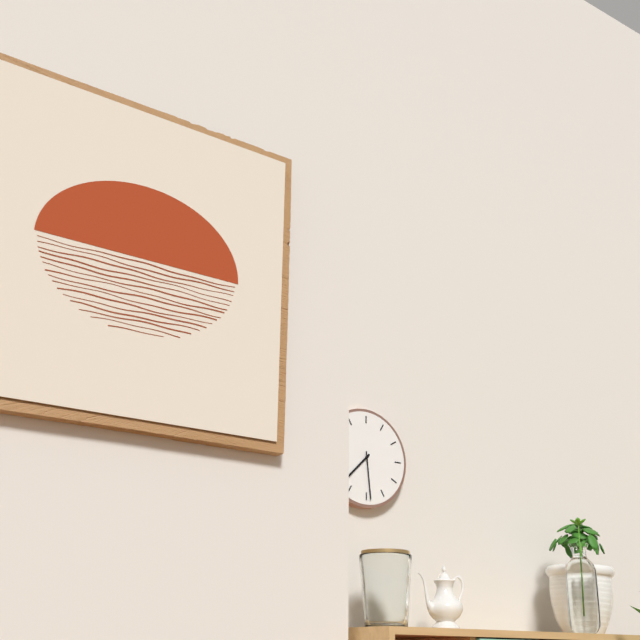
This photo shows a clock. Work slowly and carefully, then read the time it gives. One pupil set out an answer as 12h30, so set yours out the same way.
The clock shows 7h29
